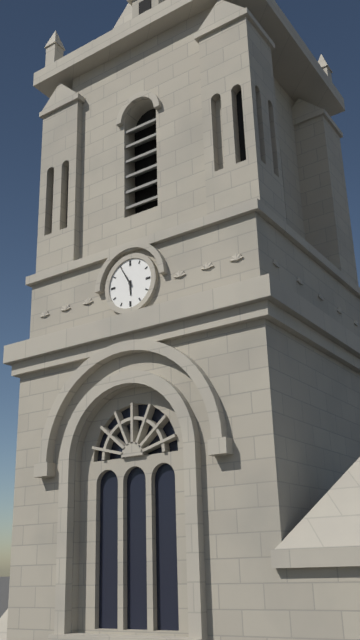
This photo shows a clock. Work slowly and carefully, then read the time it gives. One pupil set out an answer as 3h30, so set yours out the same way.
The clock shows 5h55
